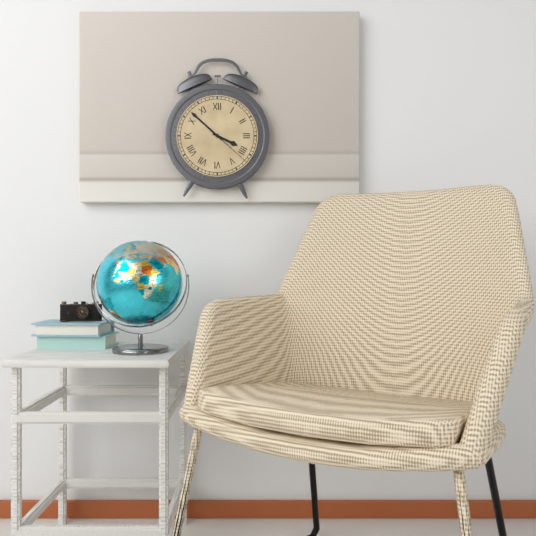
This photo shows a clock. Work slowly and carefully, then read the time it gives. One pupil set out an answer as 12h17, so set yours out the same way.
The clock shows 3h52
